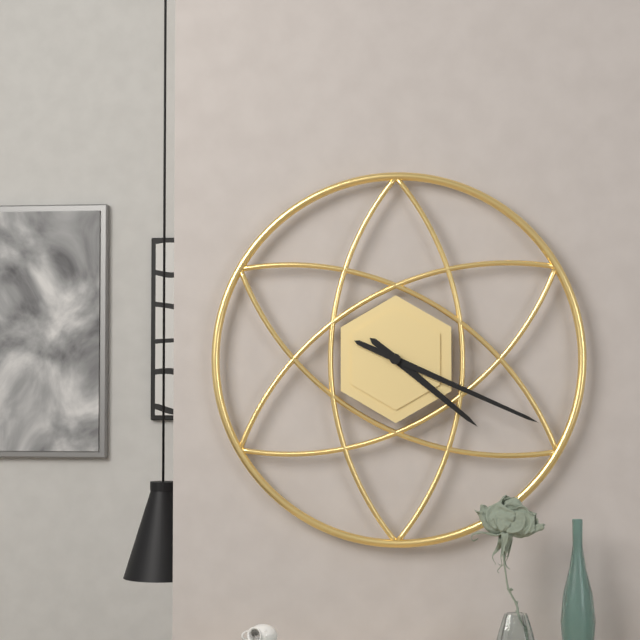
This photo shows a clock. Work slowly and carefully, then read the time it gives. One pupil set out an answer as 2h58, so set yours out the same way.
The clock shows 4h19
